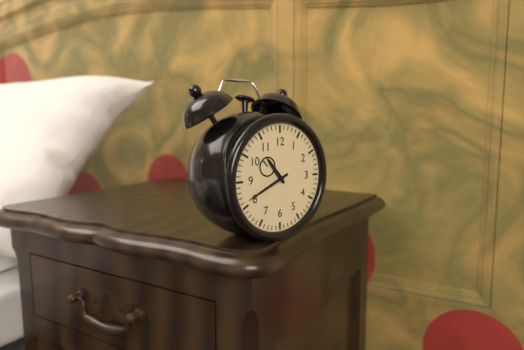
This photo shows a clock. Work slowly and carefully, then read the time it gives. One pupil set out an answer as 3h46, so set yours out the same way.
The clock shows 10h41
